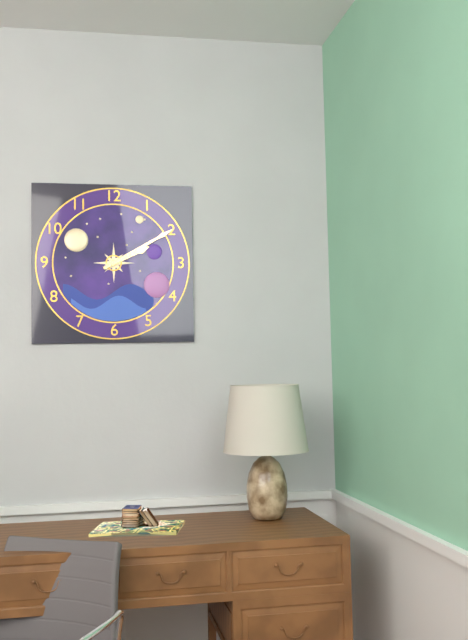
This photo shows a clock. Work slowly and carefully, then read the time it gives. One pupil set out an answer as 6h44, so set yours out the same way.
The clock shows 2h10
